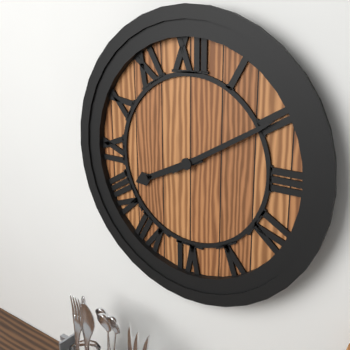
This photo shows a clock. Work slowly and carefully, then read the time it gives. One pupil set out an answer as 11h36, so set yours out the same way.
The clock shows 8h10
